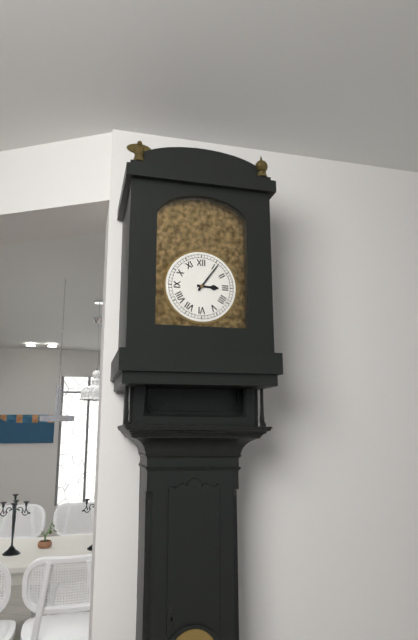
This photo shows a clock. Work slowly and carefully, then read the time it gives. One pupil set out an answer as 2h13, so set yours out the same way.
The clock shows 3h06
